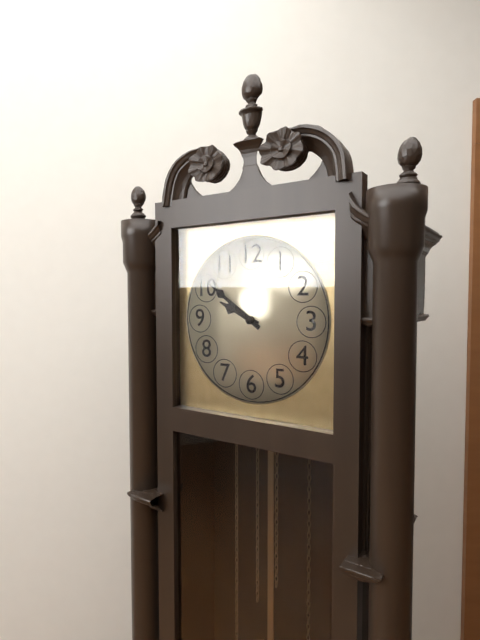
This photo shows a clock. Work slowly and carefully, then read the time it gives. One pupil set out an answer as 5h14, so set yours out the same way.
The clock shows 9h51
